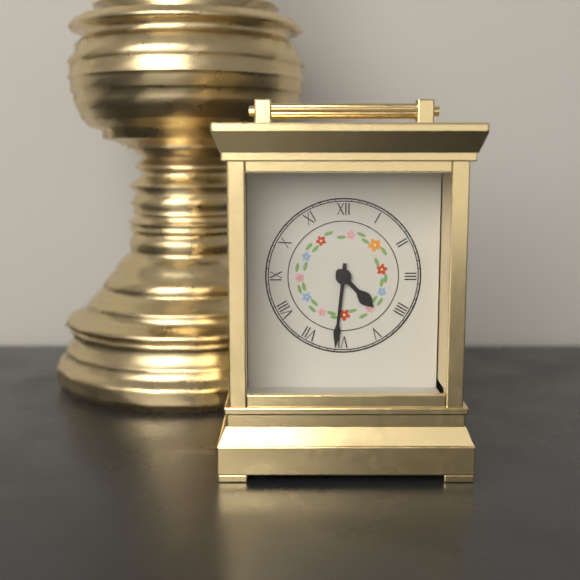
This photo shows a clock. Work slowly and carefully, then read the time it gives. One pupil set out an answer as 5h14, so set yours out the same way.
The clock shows 4h31
